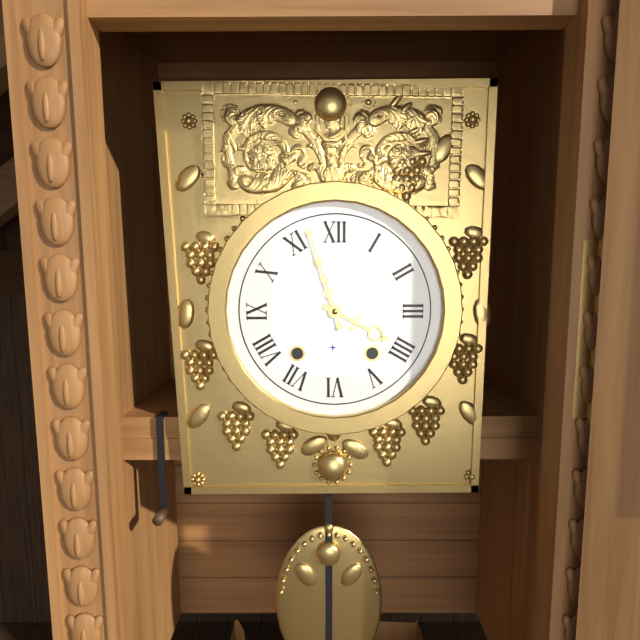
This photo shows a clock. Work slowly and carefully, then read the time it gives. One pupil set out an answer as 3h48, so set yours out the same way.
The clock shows 3h57
